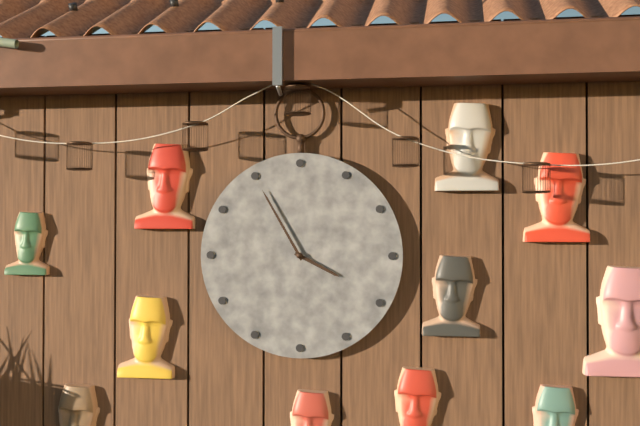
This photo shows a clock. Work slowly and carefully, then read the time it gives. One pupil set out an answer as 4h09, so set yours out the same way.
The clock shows 3h55
